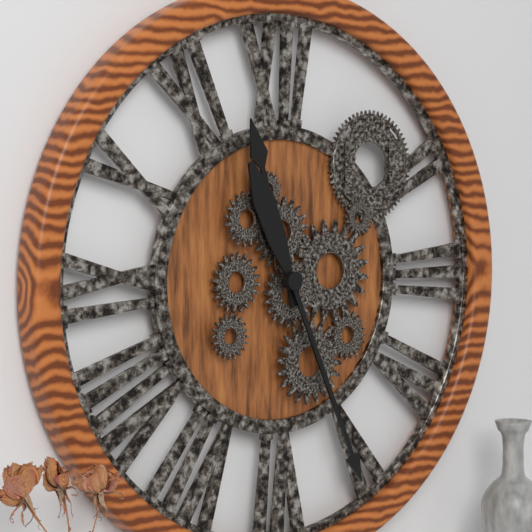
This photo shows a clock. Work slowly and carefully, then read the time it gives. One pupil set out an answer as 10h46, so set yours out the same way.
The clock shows 11h26
